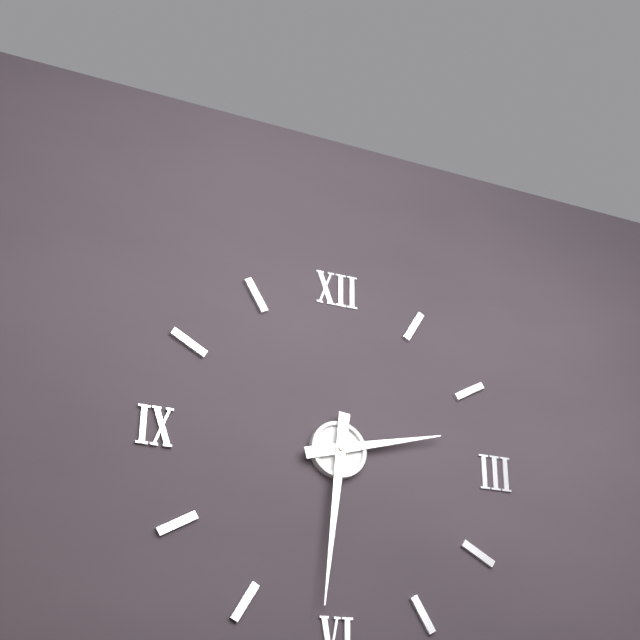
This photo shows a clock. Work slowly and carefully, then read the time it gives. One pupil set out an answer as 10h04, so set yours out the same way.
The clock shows 2h31
